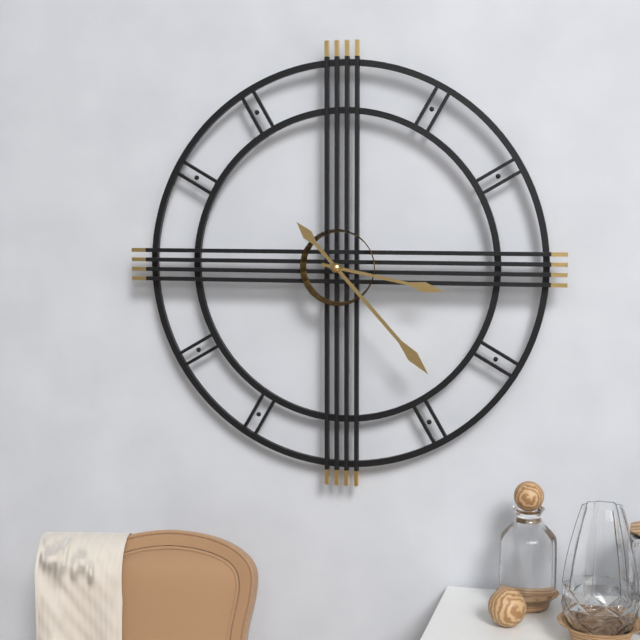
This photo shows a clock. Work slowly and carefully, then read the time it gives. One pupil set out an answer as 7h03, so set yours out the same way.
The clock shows 3h23
